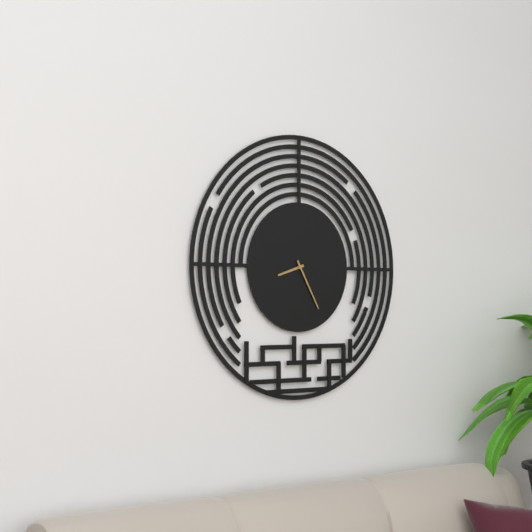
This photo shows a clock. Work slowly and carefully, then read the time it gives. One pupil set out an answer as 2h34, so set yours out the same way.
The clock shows 8h25
